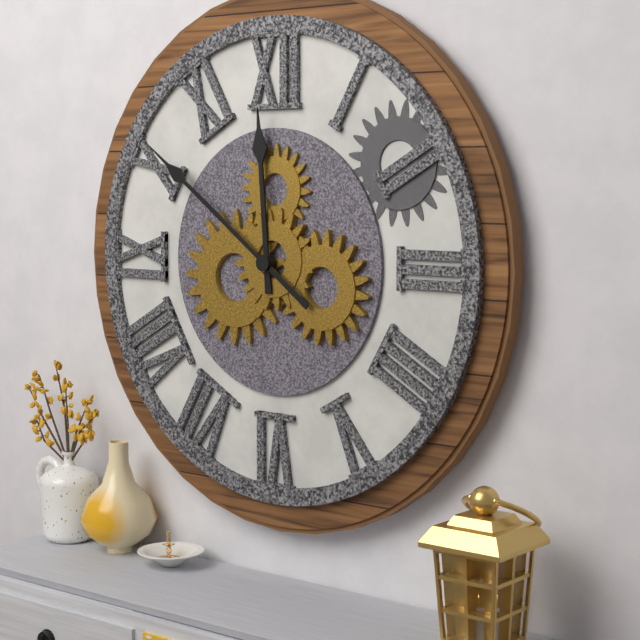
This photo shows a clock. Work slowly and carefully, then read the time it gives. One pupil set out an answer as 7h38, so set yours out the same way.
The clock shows 11h51
